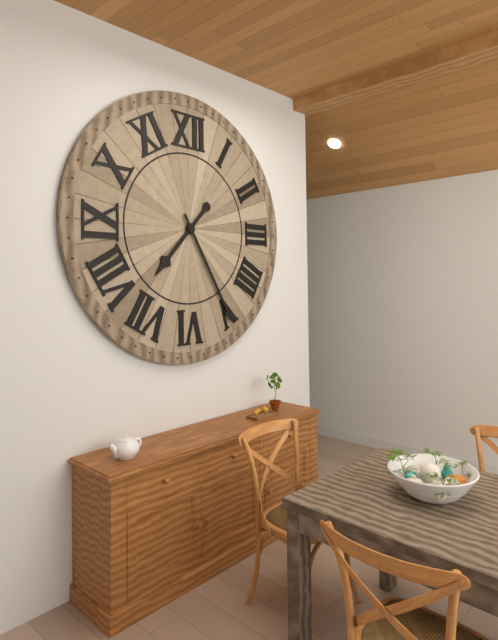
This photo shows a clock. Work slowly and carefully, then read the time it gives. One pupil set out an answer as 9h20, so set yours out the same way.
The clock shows 7h25
